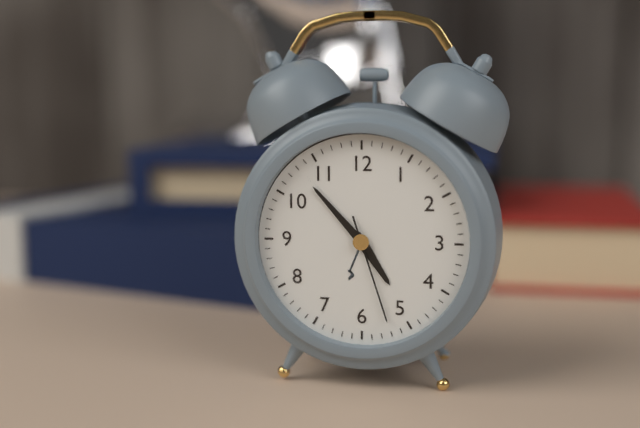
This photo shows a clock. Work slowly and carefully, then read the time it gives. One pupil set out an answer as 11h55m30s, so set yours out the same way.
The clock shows 4h53m27s
